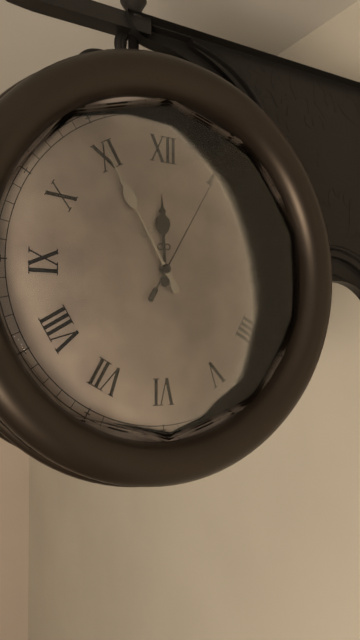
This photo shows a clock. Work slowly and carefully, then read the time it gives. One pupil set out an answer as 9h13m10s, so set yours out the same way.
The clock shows 11h55m05s
